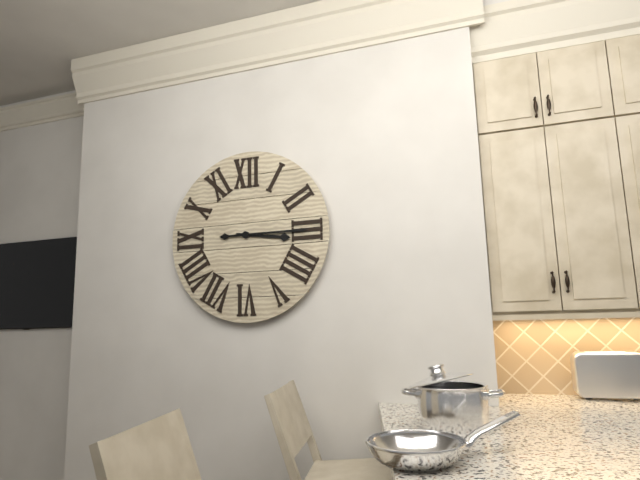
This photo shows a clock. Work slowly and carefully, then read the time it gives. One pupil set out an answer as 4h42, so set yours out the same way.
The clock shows 3h15
